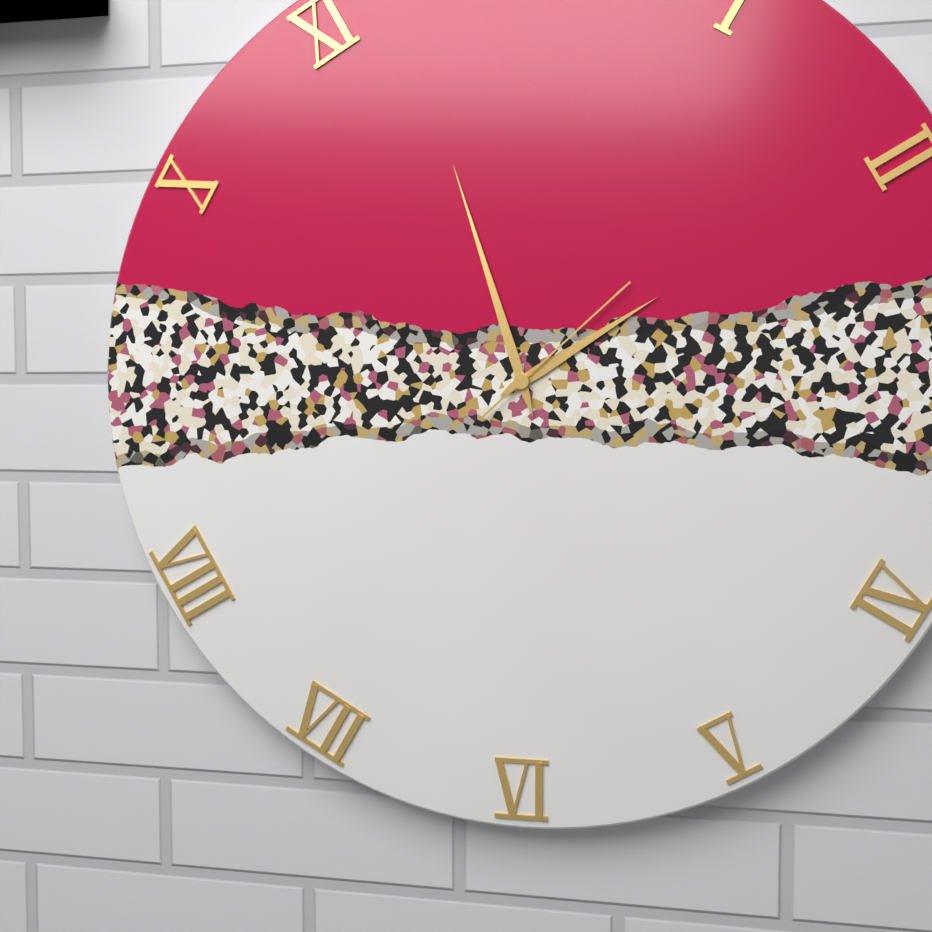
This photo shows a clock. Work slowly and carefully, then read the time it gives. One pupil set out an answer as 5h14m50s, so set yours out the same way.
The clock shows 1h57m08s
